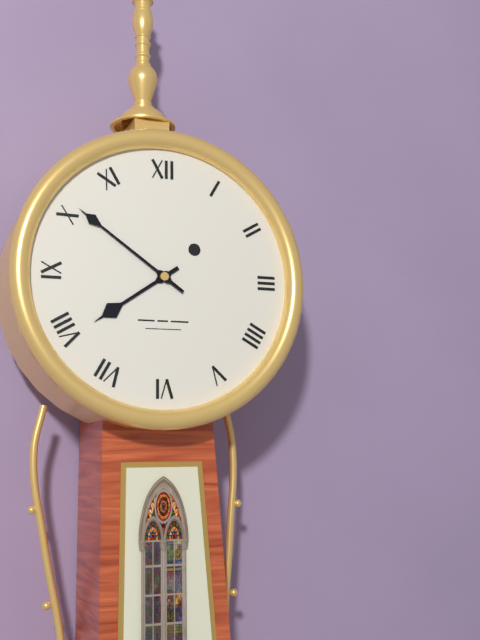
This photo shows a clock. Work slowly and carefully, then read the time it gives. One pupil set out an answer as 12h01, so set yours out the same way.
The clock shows 7h51
